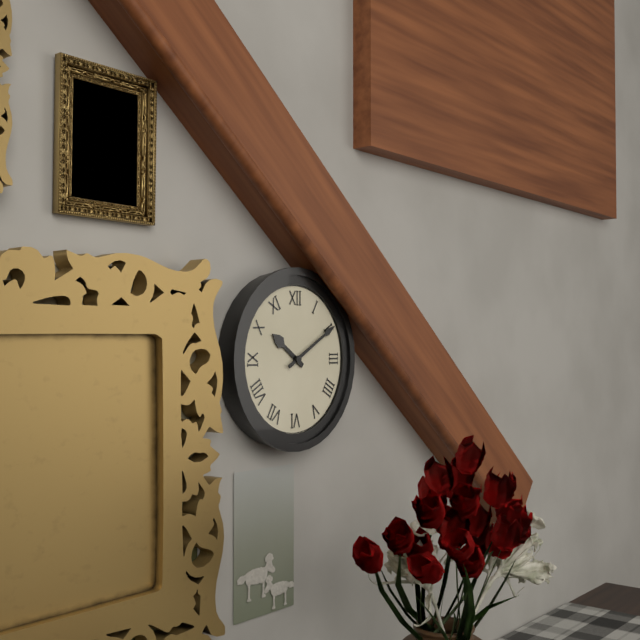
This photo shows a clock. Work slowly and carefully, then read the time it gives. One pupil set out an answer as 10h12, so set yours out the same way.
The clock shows 10h10
